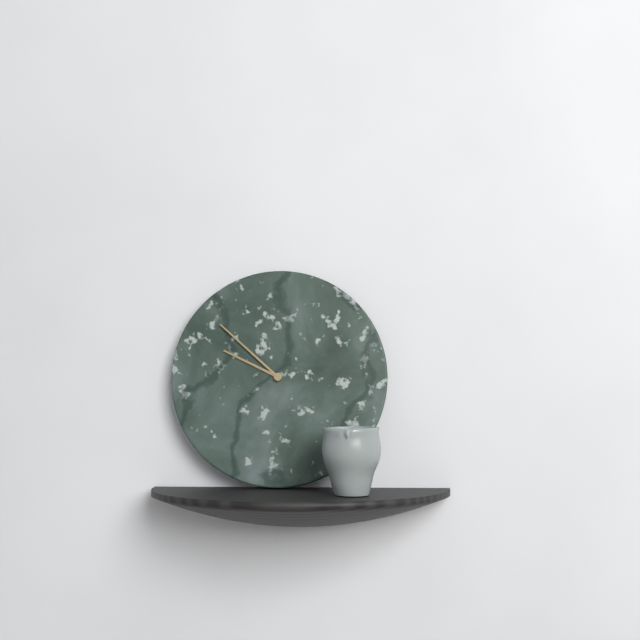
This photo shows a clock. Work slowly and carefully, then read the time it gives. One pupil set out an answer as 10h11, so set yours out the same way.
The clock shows 9h52
